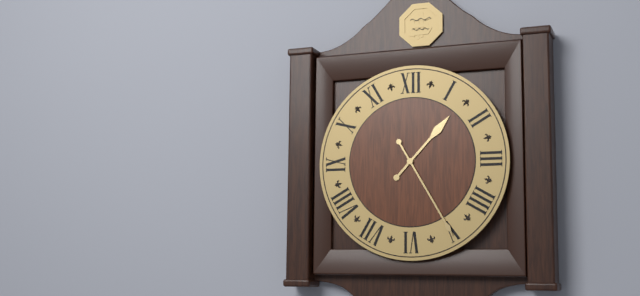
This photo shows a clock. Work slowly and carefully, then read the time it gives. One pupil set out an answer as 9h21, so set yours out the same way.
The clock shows 1h25
